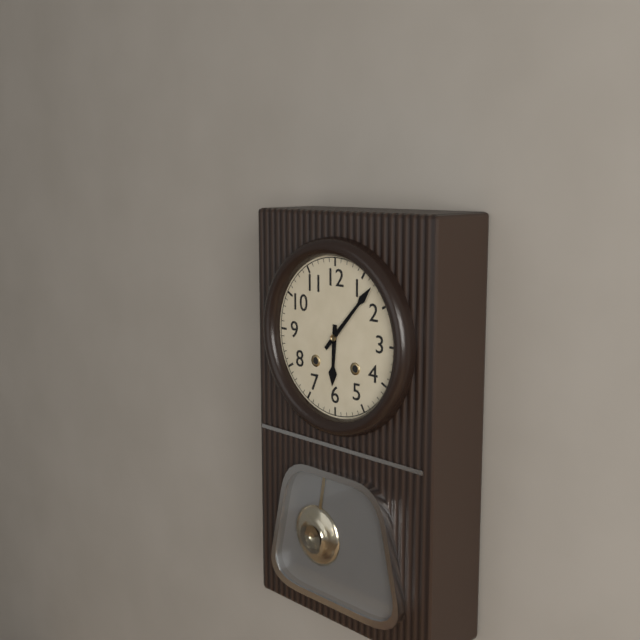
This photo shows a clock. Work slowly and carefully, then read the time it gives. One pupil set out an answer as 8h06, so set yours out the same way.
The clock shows 6h07
